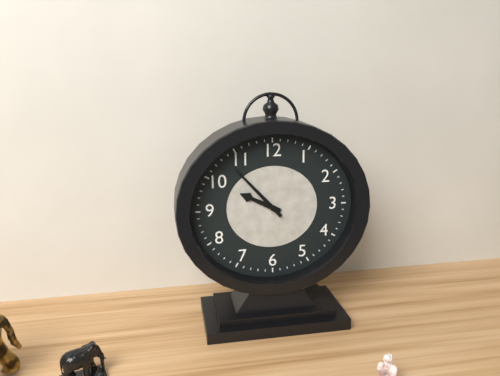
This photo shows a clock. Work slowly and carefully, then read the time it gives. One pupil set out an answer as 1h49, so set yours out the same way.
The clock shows 9h53
